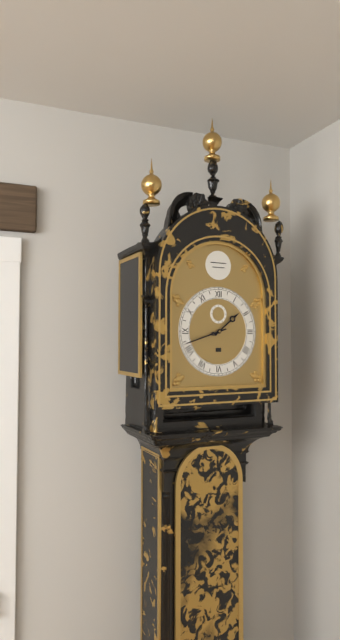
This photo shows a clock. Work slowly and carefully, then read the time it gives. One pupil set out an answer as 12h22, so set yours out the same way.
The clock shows 1h42
